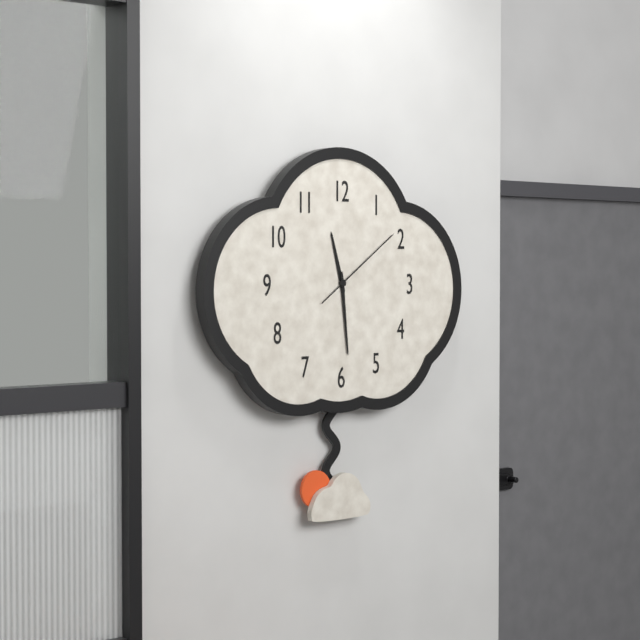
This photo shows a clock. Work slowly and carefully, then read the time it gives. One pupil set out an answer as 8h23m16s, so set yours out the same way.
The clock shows 11h29m09s
